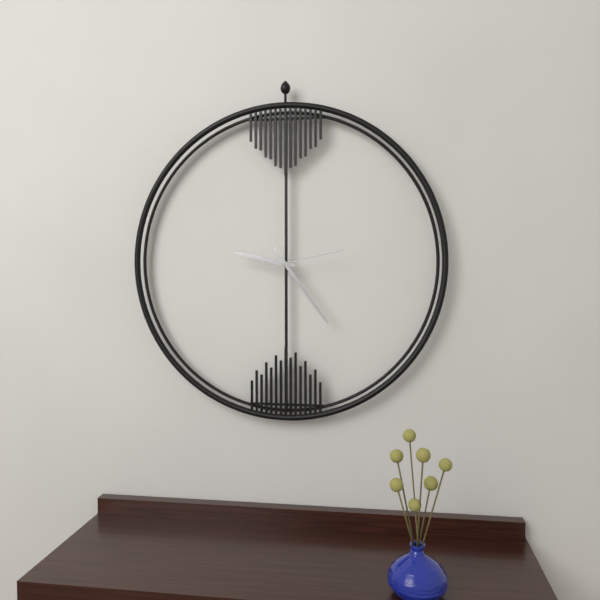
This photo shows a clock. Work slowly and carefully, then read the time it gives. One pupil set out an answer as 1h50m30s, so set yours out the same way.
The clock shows 9h24m13s
